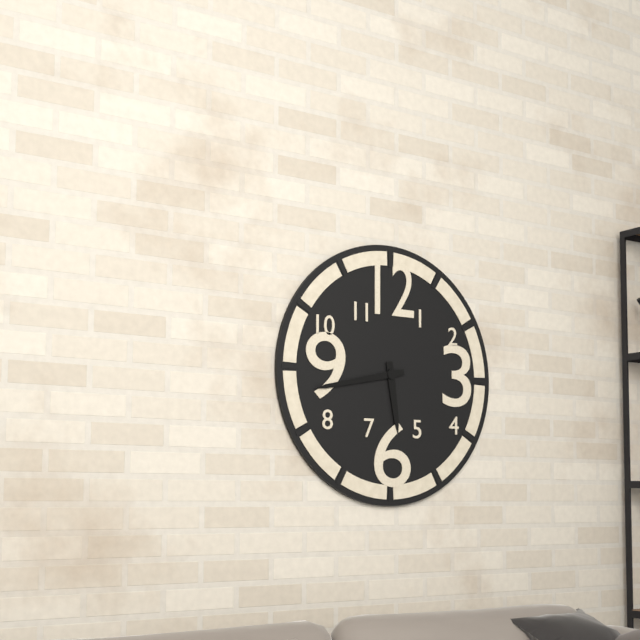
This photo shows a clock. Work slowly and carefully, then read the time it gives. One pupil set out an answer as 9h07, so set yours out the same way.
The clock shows 5h43
